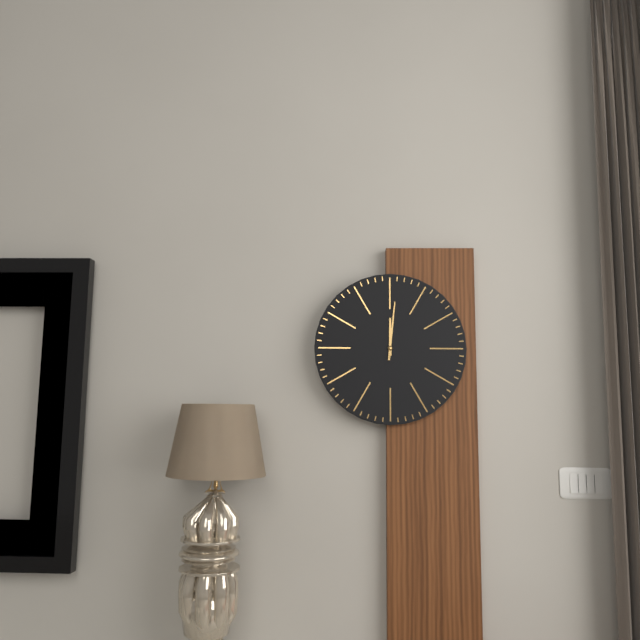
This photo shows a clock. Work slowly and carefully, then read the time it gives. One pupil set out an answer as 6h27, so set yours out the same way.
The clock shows 12h01
